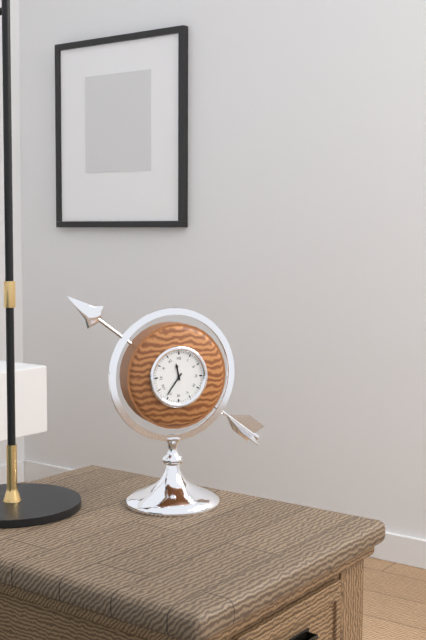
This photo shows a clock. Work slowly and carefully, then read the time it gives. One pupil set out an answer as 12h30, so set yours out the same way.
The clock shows 11h36
